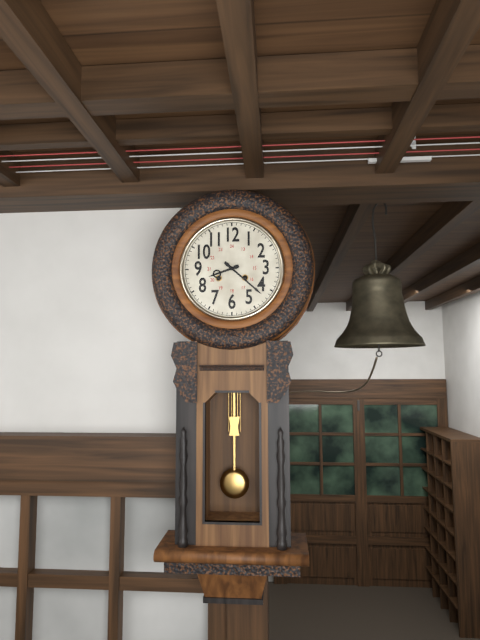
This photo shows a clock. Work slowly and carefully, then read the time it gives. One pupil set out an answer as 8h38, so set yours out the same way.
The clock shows 8h22
